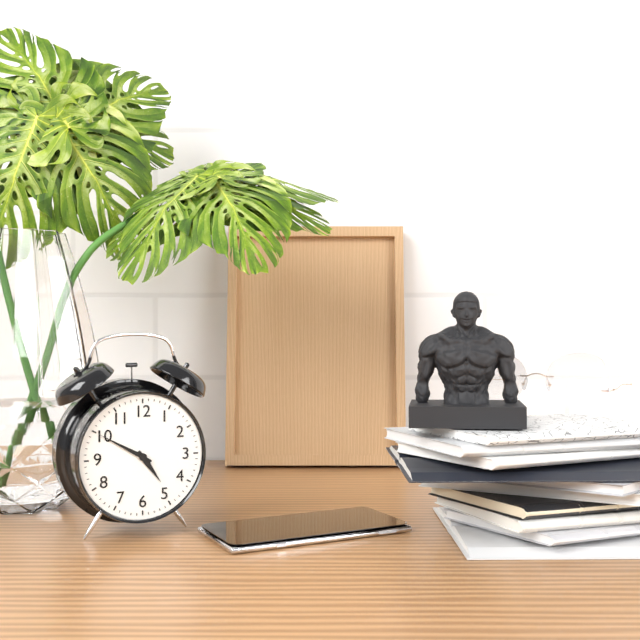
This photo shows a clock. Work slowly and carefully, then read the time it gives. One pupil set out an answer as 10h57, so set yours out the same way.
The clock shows 4h50
